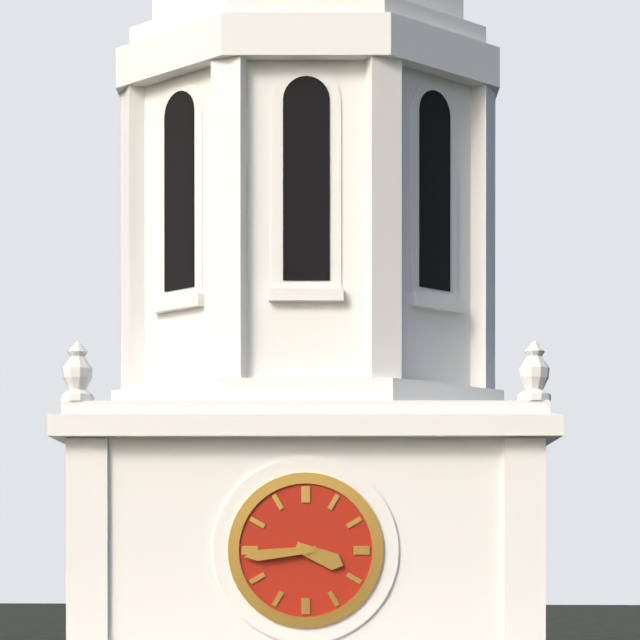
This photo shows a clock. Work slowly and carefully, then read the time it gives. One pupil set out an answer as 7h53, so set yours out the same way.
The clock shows 3h44
